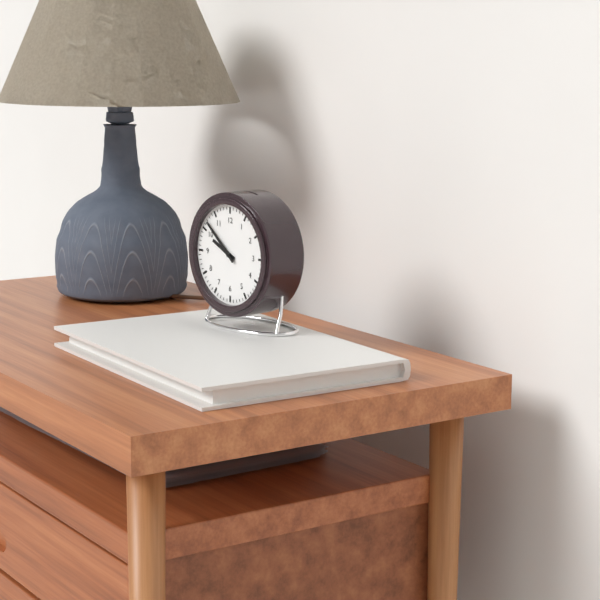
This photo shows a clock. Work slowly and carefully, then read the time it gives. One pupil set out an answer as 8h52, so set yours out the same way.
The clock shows 9h52
